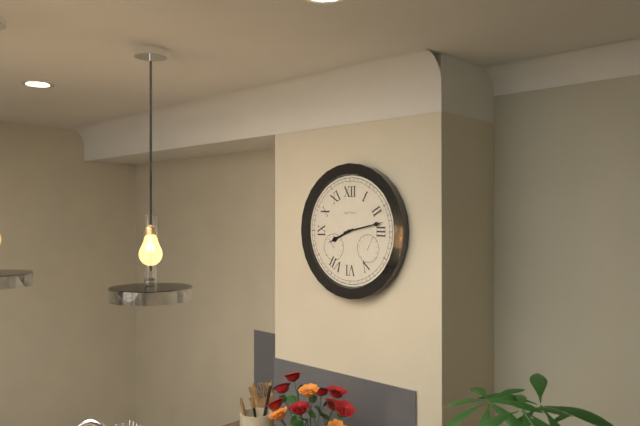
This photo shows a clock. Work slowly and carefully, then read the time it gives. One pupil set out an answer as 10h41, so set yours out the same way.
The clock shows 8h13
